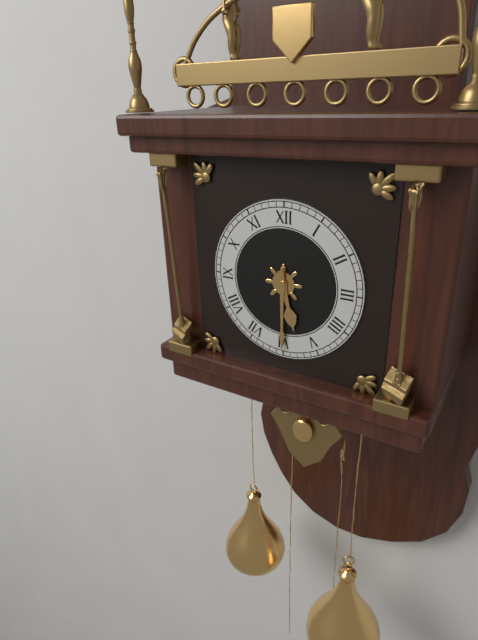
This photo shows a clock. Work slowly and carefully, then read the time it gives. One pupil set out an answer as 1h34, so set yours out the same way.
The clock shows 5h30
